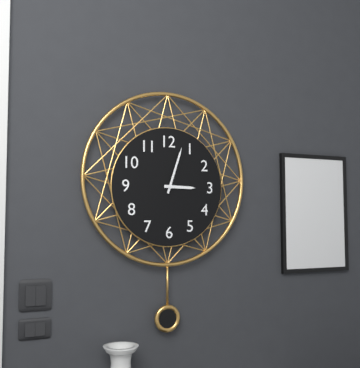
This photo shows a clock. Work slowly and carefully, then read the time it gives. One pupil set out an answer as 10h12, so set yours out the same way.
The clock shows 3h03
